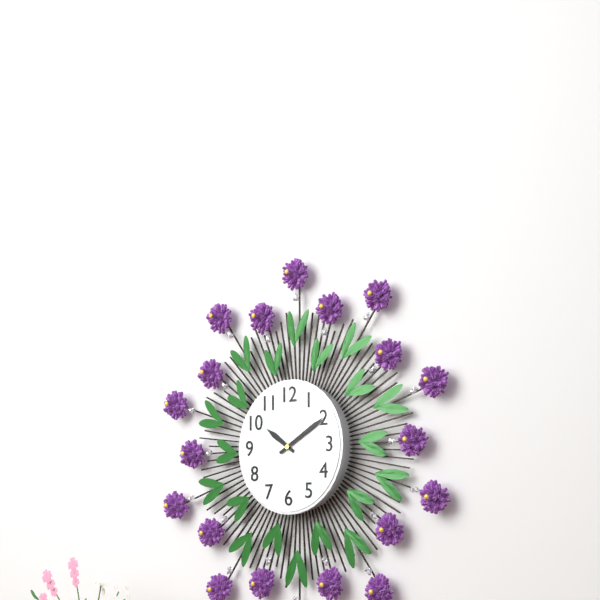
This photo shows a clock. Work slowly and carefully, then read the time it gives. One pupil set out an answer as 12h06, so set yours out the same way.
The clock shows 10h10
